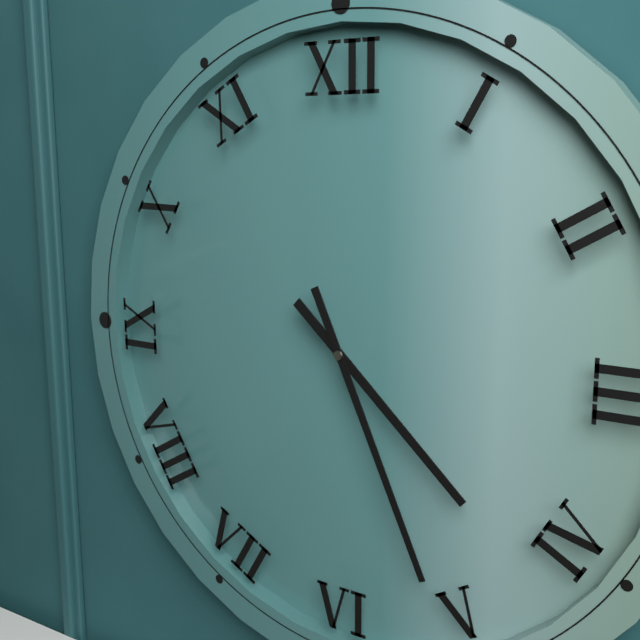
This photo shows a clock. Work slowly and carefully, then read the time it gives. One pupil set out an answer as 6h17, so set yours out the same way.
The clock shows 4h26
